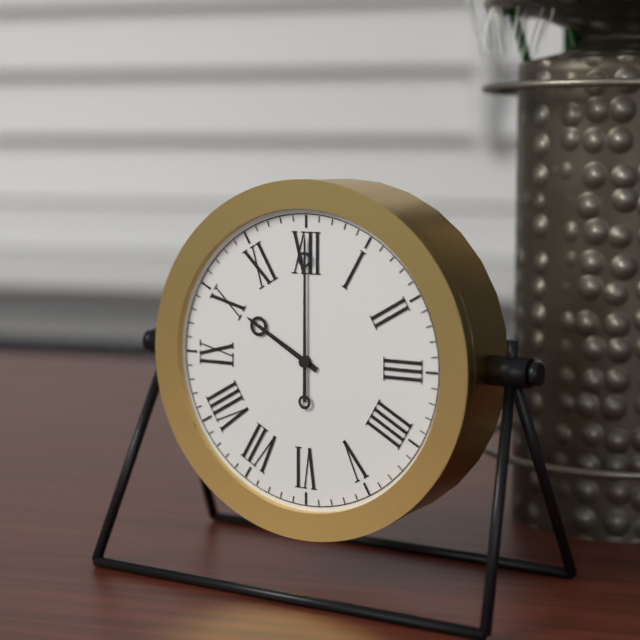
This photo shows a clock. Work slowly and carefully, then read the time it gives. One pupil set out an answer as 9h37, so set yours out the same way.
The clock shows 10h00
